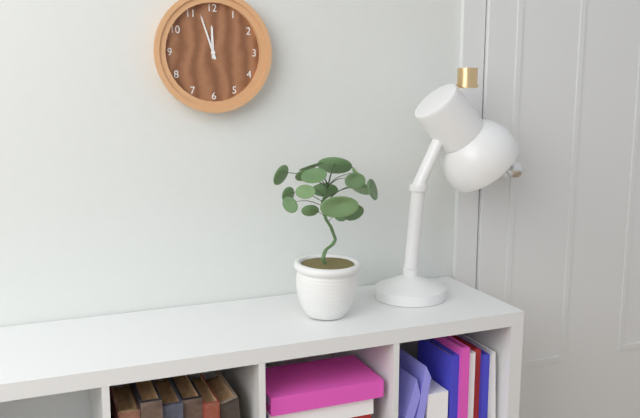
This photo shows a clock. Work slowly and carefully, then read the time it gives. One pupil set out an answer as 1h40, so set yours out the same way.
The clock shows 11h57
